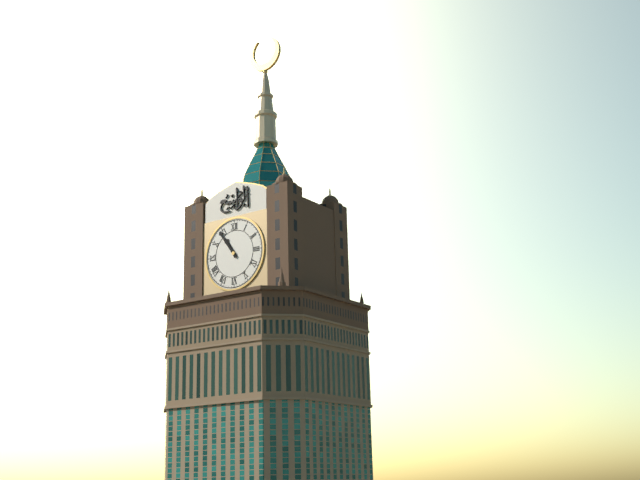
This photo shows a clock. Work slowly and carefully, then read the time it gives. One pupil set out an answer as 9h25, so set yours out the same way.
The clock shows 10h54
